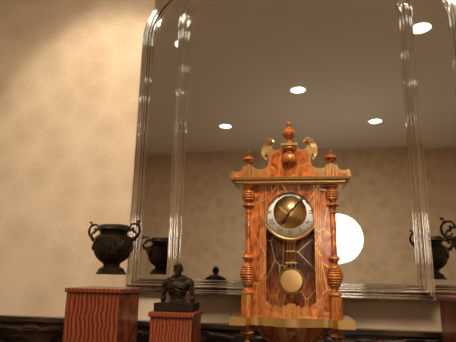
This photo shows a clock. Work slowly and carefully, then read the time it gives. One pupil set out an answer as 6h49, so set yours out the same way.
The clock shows 7h07
